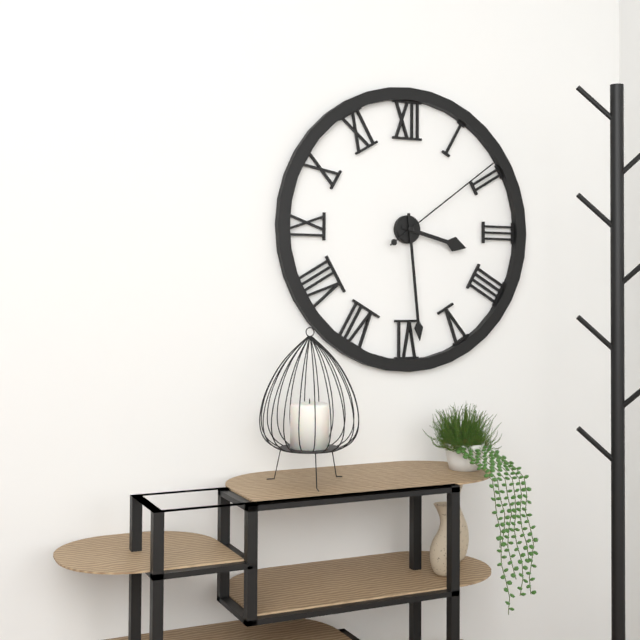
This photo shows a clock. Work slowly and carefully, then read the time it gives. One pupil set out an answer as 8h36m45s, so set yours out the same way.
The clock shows 3h29m09s
